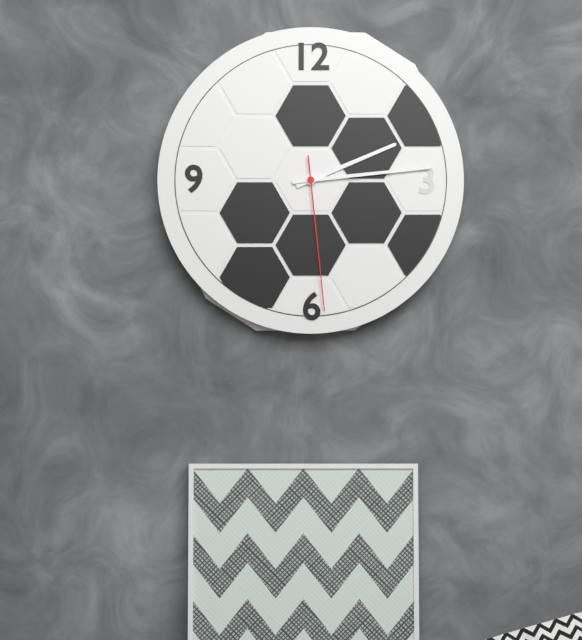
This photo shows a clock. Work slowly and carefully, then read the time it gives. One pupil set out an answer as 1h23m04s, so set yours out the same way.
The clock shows 2h14m29s
